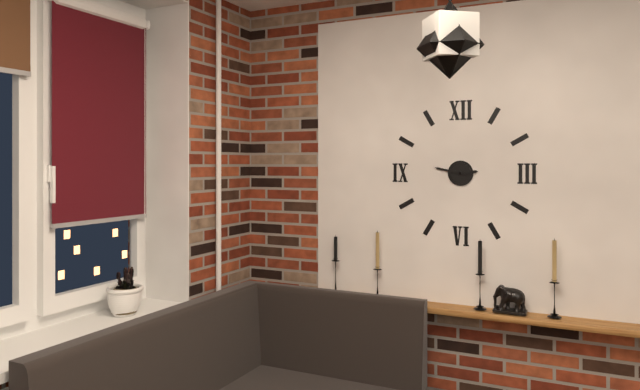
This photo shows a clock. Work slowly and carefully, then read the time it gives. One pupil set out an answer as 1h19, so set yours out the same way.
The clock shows 2h47
